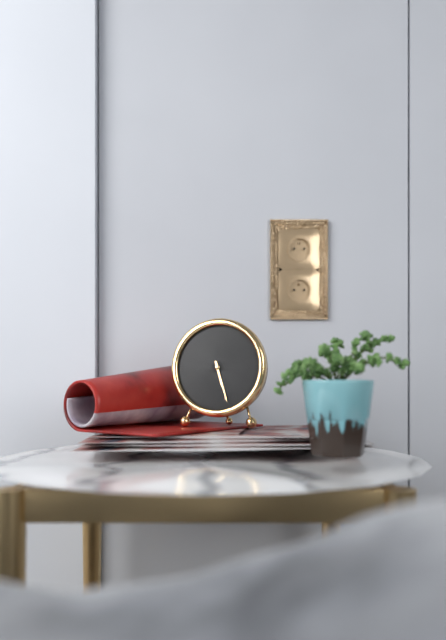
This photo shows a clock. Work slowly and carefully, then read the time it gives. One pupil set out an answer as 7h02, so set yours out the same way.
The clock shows 5h27
